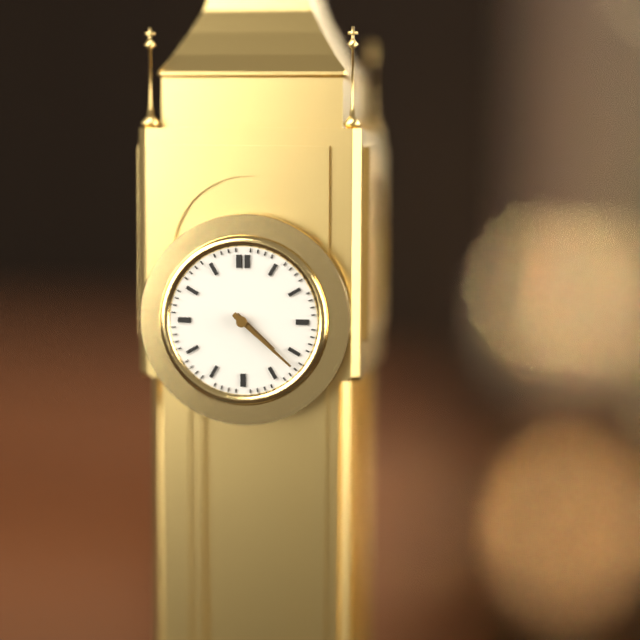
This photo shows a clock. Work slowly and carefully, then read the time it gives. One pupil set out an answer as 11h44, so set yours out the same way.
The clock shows 4h22
